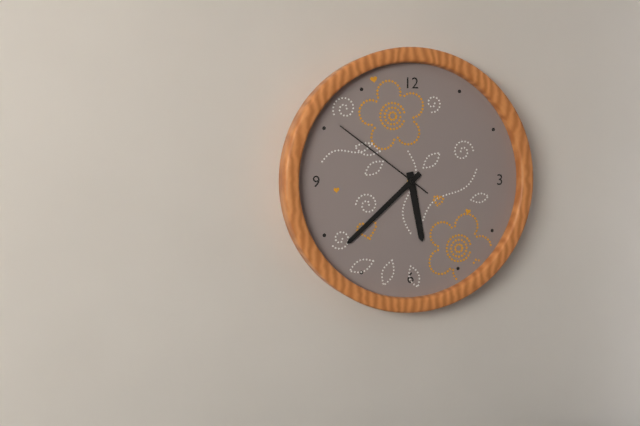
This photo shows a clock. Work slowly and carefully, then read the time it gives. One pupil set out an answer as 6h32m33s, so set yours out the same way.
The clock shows 5h38m51s
